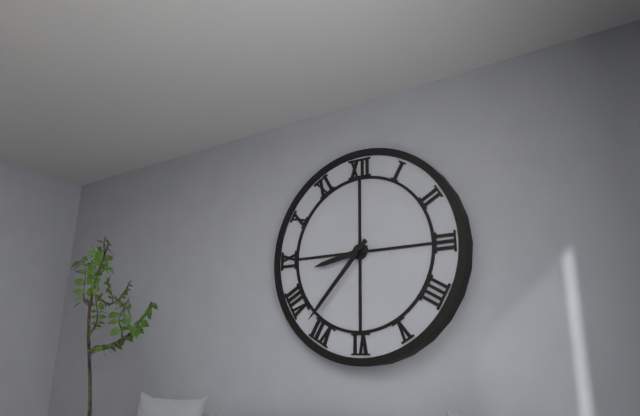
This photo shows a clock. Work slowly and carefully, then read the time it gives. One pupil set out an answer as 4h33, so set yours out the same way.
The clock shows 8h37
